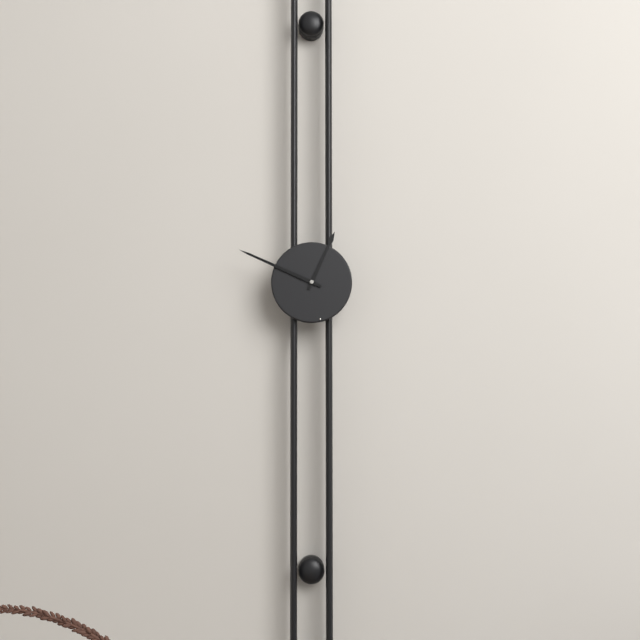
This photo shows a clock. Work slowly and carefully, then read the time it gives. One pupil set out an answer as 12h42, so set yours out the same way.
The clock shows 12h49
